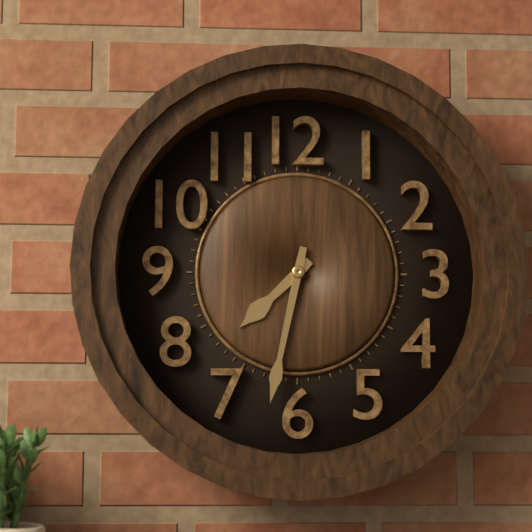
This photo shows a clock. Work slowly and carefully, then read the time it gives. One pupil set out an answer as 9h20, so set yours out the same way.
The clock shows 7h32
